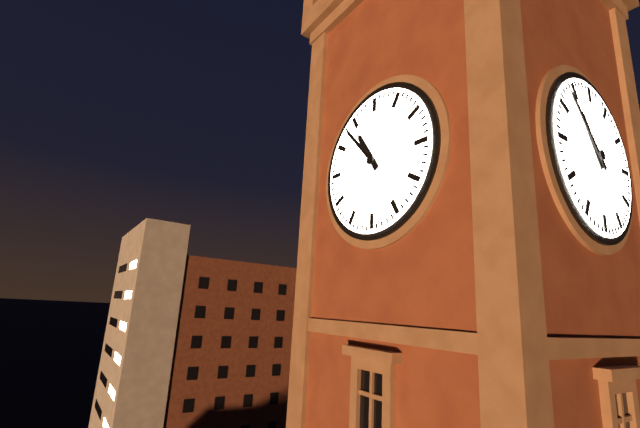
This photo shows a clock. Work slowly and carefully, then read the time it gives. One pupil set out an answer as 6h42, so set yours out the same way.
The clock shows 10h53
